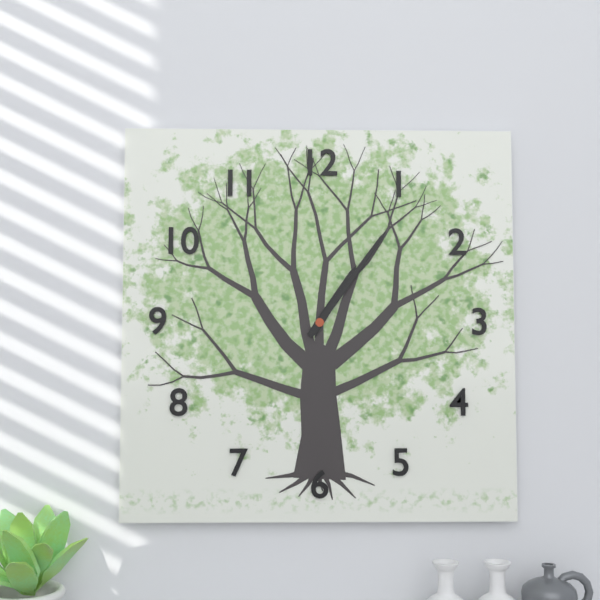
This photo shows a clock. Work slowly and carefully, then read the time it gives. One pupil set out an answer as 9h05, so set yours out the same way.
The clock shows 1h06
